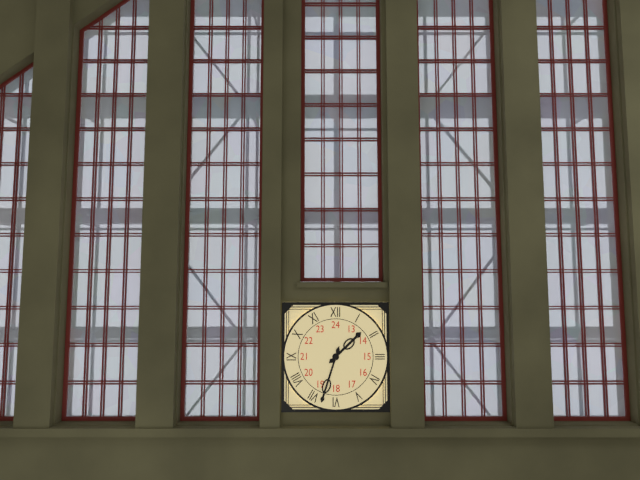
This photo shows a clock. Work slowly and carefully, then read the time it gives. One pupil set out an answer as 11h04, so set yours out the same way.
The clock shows 1h33
